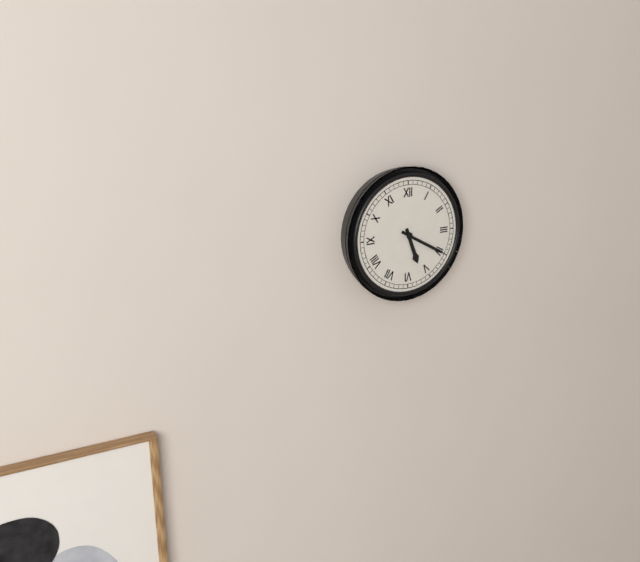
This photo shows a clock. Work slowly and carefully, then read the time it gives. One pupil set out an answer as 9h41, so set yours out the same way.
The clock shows 5h20
